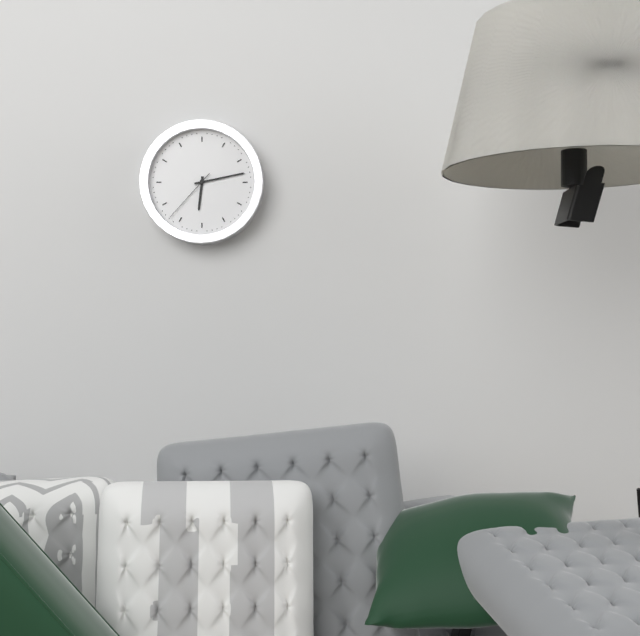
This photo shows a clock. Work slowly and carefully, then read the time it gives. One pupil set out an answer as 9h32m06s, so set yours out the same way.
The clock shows 6h13m37s
